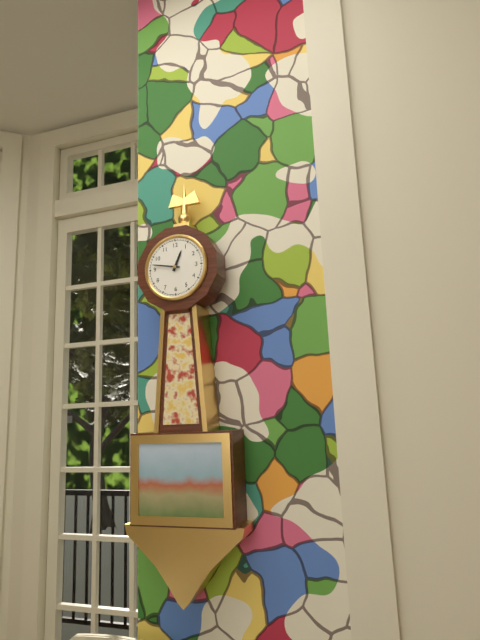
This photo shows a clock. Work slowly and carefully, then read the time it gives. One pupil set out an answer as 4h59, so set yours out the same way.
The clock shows 12h47
